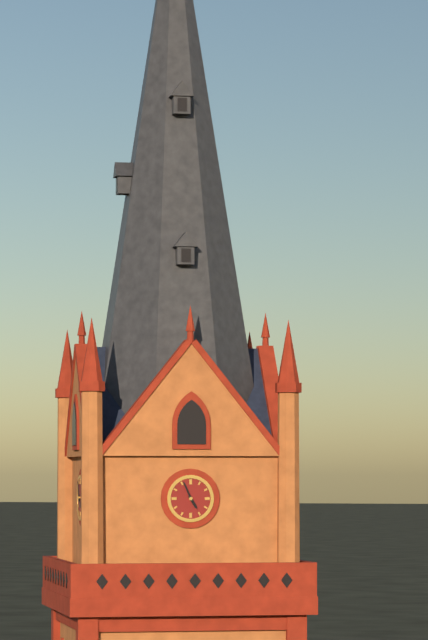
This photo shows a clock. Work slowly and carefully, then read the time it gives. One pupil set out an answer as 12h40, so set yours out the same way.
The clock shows 4h56
